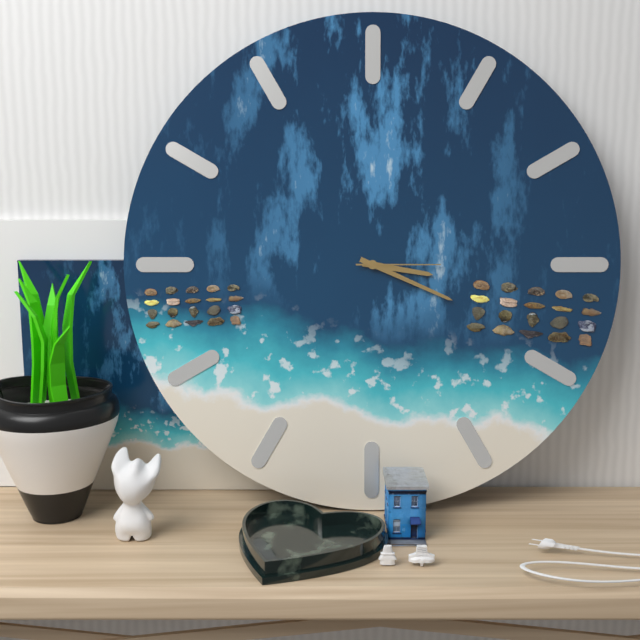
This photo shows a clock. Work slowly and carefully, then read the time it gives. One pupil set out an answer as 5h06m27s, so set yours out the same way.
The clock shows 3h19m15s
